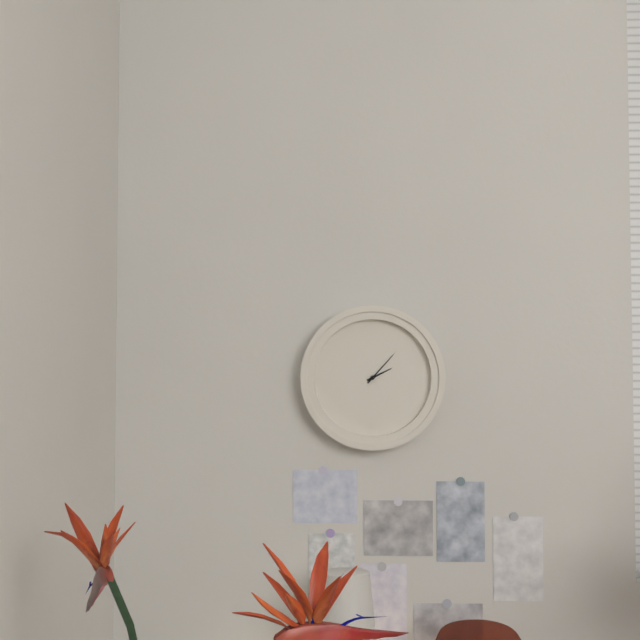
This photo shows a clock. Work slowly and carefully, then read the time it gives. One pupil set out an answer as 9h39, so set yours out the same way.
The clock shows 2h07
